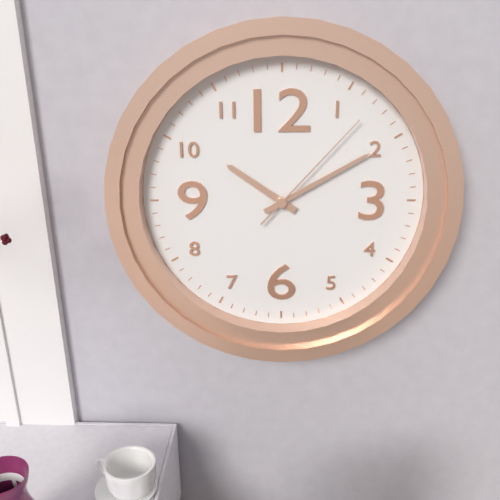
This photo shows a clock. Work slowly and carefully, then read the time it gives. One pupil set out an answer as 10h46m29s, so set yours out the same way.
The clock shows 10h10m07s
